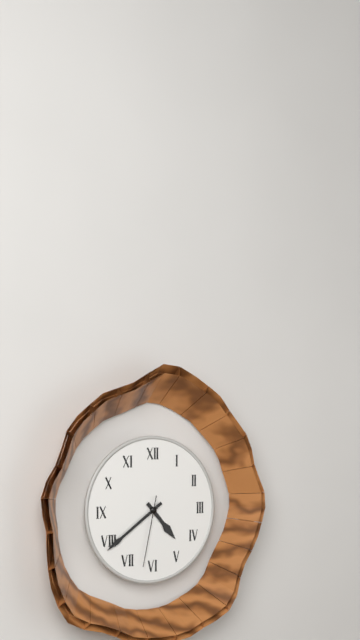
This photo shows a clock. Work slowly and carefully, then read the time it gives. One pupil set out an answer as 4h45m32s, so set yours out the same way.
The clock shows 4h39m32s
